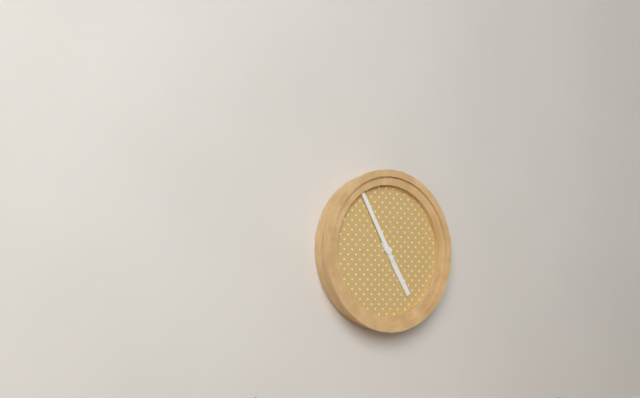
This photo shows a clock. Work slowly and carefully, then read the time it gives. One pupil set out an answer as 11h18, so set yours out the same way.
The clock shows 4h55
